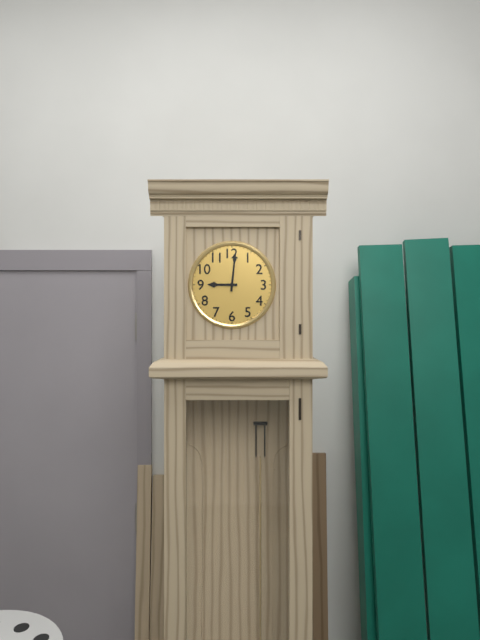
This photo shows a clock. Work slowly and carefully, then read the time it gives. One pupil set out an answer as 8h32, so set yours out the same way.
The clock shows 9h01
